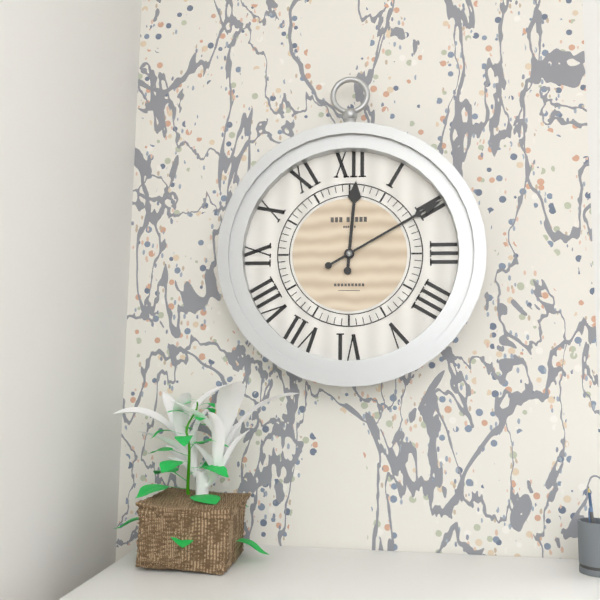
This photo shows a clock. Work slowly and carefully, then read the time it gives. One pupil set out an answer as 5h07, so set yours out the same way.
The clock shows 12h10
